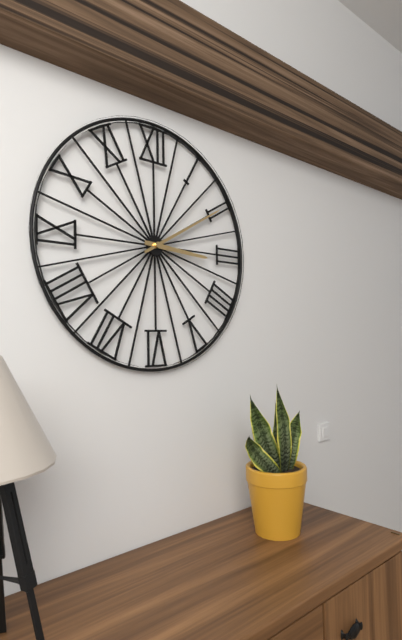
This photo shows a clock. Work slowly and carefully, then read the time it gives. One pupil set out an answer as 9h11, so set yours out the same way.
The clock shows 3h10
